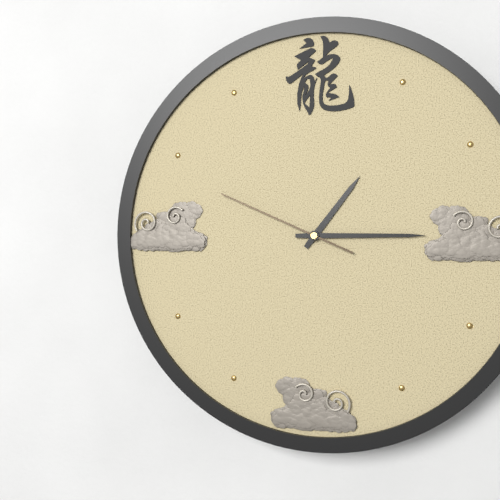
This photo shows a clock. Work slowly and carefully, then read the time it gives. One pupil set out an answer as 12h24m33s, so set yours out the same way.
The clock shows 1h15m49s
